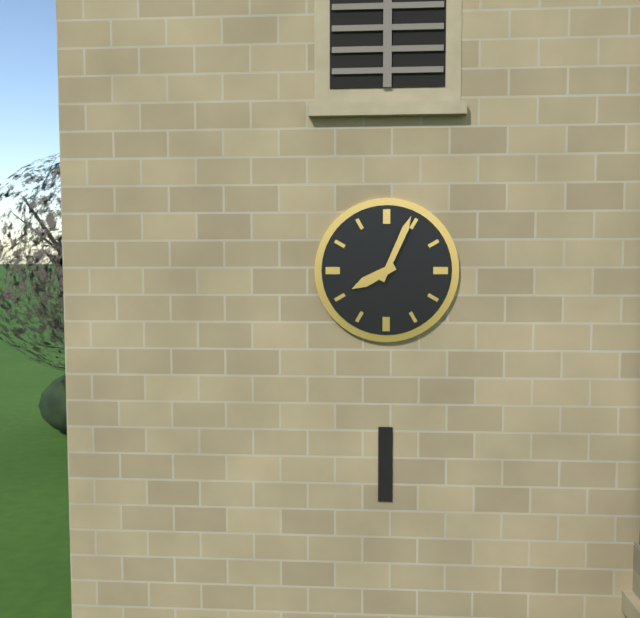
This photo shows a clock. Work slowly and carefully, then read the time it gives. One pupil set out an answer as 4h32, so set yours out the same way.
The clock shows 8h04
